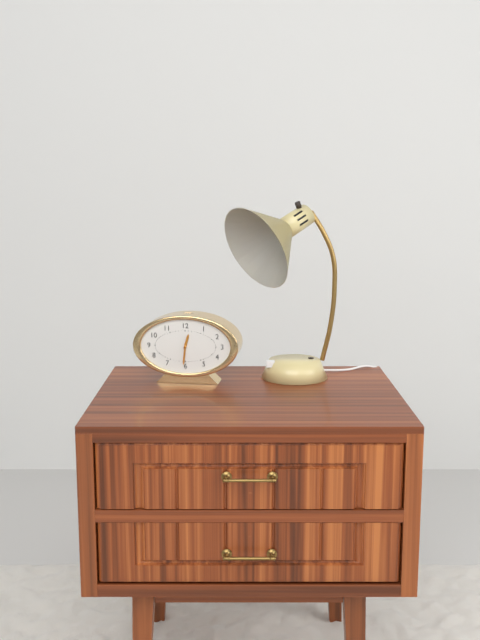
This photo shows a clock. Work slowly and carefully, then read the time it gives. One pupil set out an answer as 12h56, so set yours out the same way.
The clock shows 12h31
